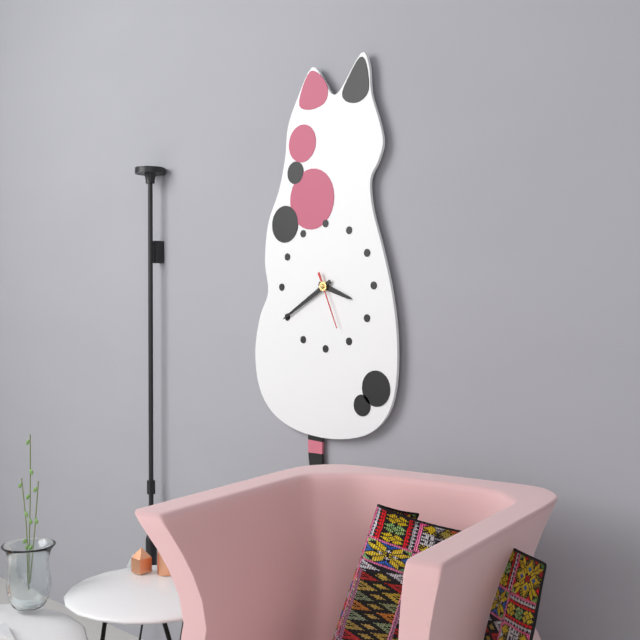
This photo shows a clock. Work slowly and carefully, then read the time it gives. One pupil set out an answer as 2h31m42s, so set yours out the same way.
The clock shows 3h40m26s
